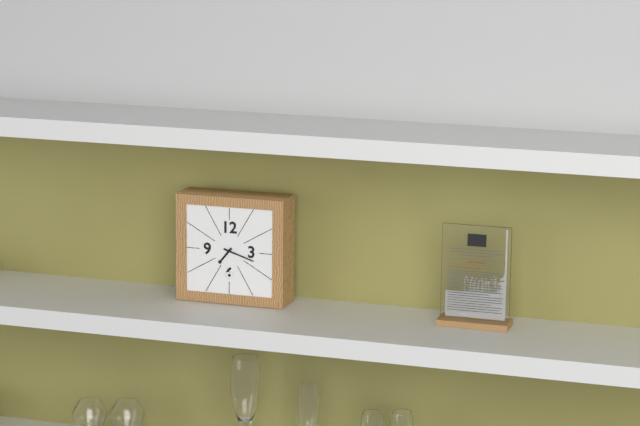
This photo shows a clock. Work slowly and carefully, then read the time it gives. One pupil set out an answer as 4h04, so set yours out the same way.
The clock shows 7h18
